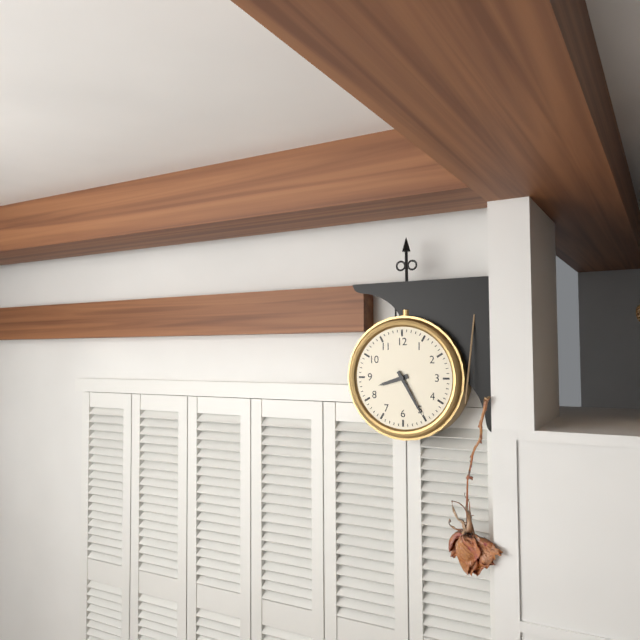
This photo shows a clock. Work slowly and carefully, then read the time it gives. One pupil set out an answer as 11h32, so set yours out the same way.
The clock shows 8h25
